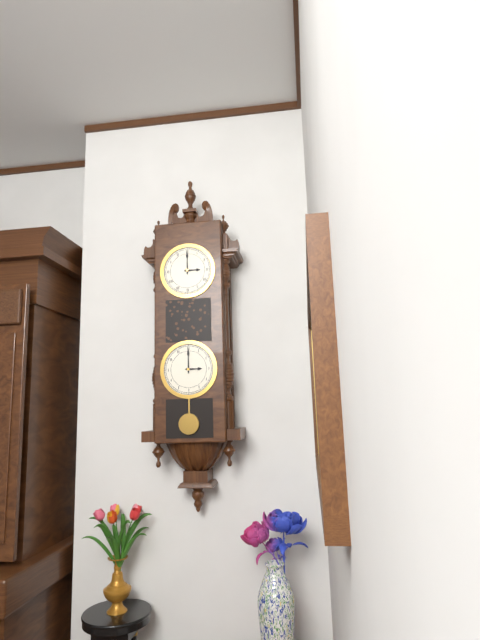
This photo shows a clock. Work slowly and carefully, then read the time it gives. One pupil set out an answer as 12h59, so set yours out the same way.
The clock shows 3h00
